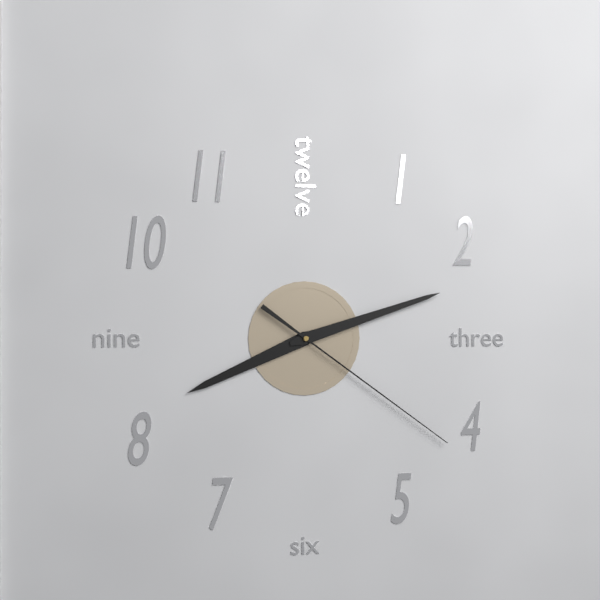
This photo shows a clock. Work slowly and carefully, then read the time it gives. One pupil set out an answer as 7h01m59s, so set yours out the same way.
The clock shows 8h12m21s
